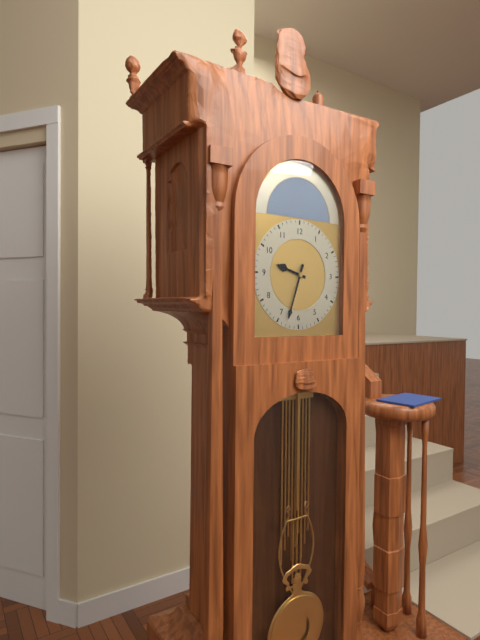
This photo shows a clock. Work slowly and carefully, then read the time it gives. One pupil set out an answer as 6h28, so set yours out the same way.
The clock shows 9h33
